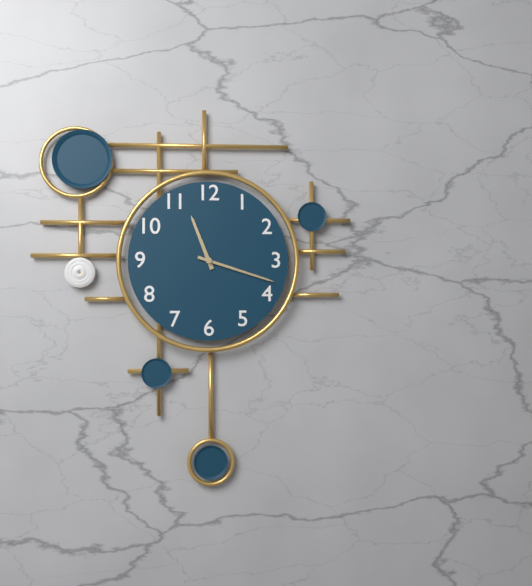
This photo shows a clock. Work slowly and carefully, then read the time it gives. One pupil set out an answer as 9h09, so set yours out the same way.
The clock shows 11h18
